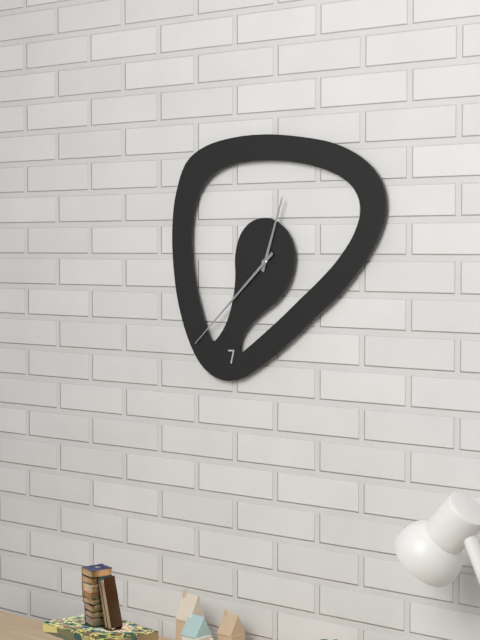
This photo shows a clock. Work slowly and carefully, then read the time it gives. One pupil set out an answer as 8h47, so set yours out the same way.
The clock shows 12h38
